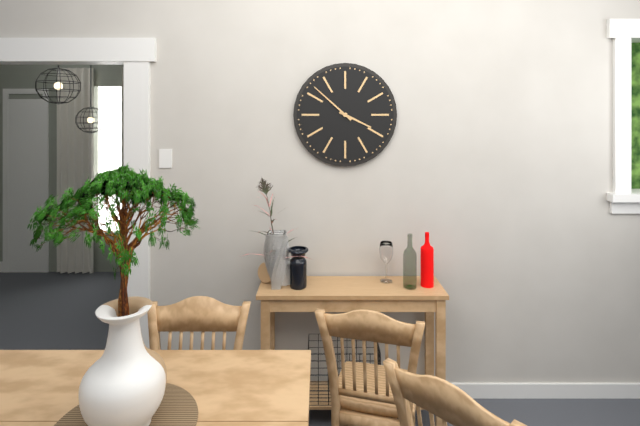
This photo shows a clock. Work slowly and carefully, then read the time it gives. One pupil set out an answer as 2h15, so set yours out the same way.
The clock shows 3h52
